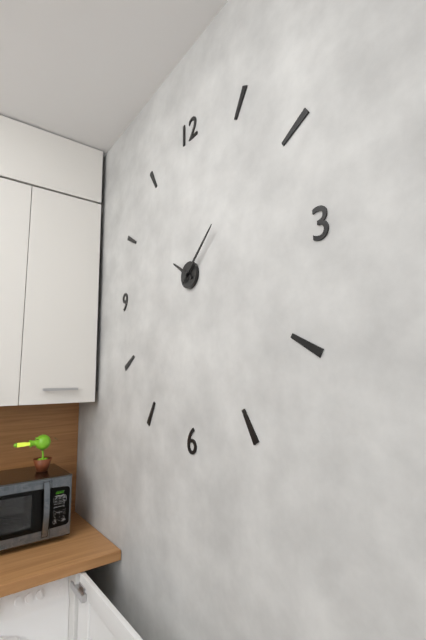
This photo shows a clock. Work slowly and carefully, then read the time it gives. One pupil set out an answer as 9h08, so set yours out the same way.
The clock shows 10h08
